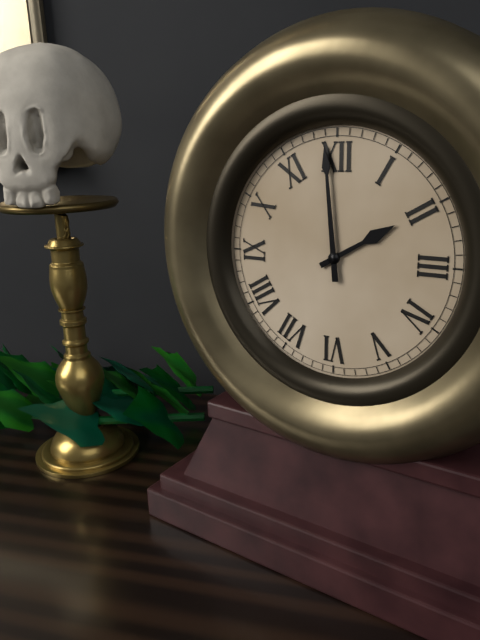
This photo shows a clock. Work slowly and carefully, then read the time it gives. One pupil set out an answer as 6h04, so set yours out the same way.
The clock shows 1h59
